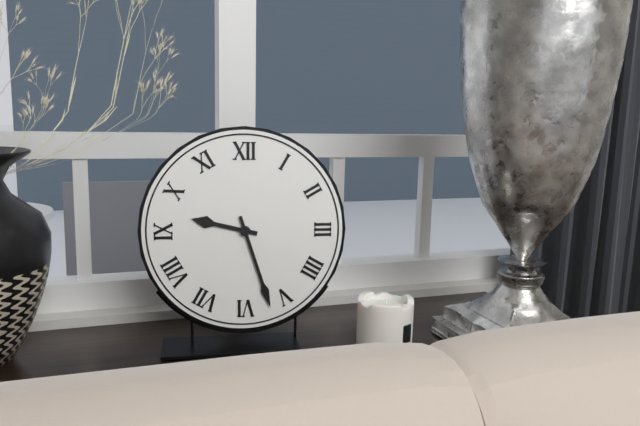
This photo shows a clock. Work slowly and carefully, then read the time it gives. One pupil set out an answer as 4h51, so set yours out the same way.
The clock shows 9h27
